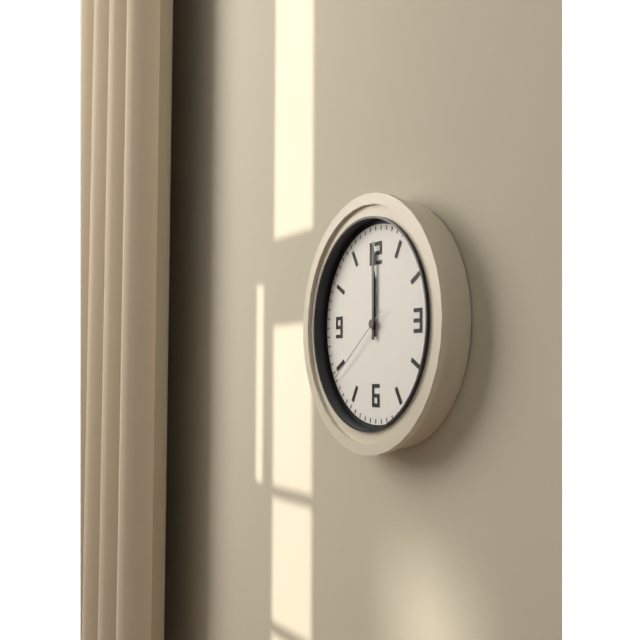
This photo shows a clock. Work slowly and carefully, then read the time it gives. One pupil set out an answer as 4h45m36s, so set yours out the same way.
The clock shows 12h00m39s
